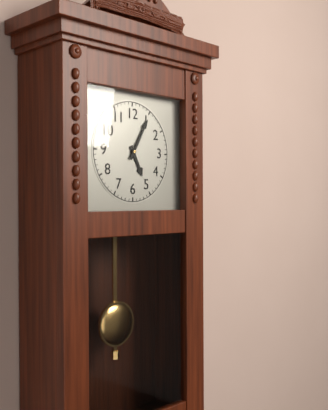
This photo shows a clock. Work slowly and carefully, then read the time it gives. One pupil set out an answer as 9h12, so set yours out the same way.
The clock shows 5h05
